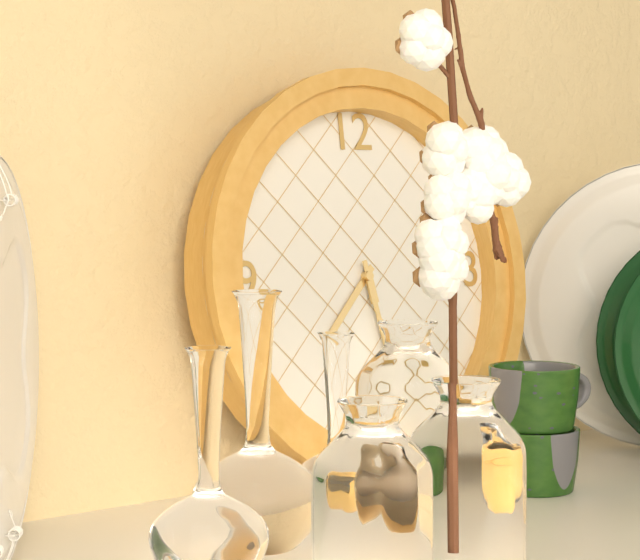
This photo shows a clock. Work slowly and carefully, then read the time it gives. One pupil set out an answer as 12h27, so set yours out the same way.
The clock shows 7h28
